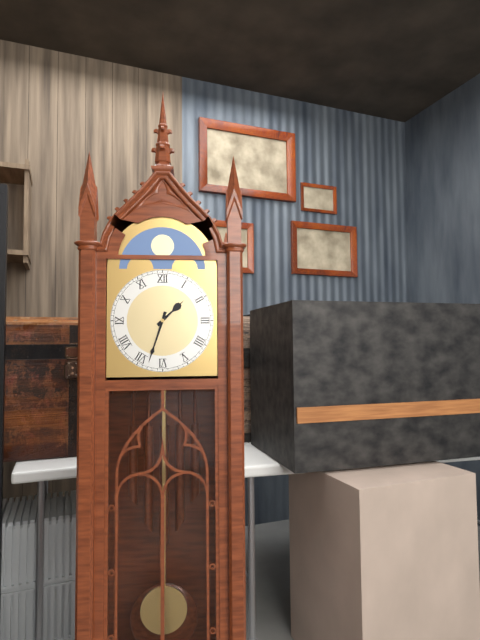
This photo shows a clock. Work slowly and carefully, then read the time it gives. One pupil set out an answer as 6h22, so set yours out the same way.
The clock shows 1h33
